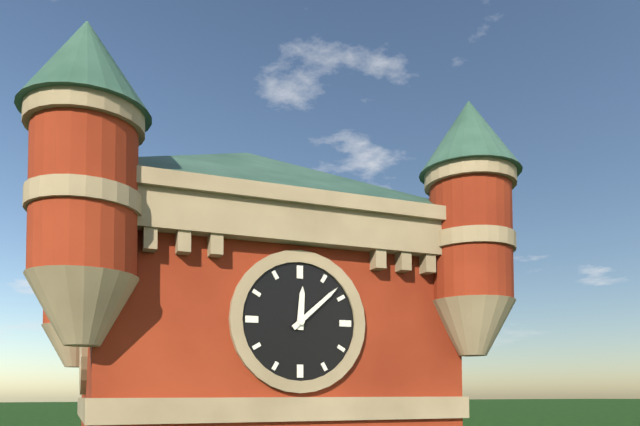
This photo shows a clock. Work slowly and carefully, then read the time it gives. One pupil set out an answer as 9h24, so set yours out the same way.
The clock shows 12h08
